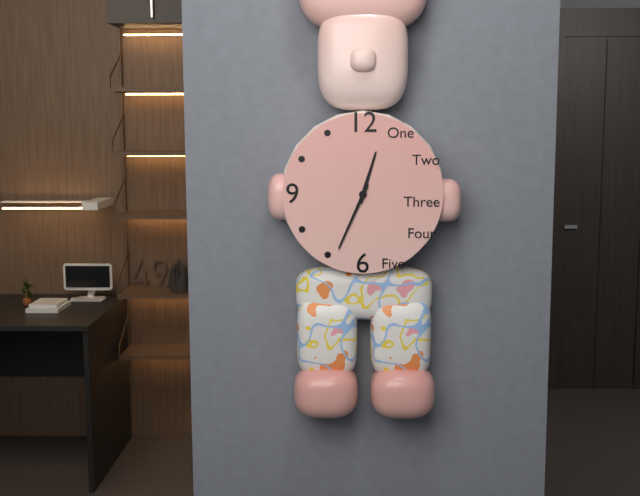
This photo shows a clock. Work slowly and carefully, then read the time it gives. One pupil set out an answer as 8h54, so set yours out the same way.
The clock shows 12h34
